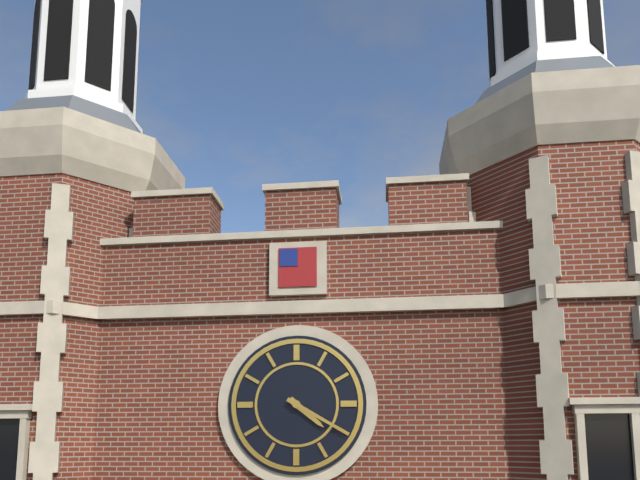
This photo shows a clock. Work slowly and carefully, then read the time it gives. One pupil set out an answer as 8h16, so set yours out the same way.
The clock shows 4h20
